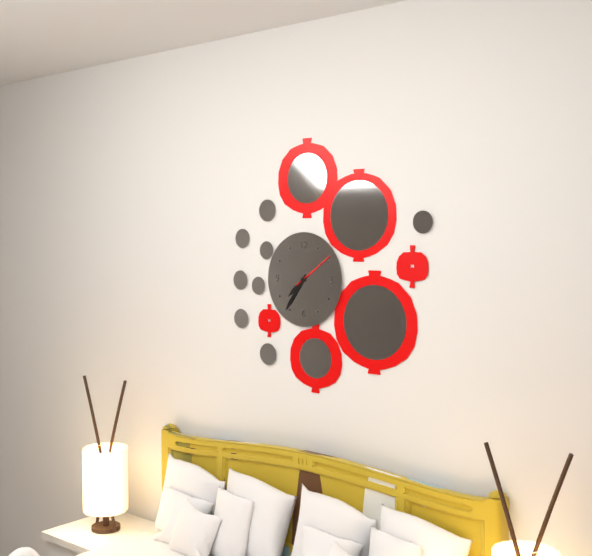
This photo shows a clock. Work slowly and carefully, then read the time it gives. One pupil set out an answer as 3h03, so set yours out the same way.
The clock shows 7h36
